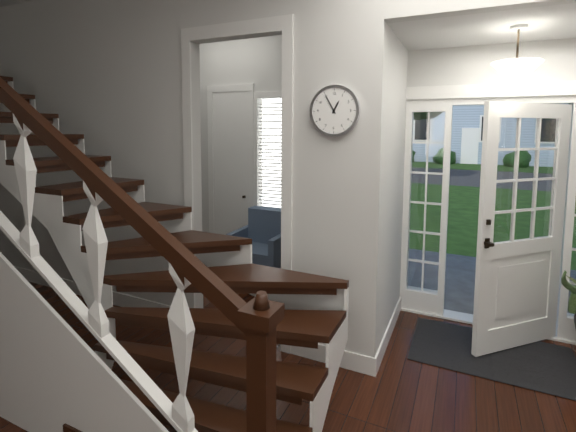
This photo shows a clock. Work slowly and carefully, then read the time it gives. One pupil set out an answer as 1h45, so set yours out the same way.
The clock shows 12h55
